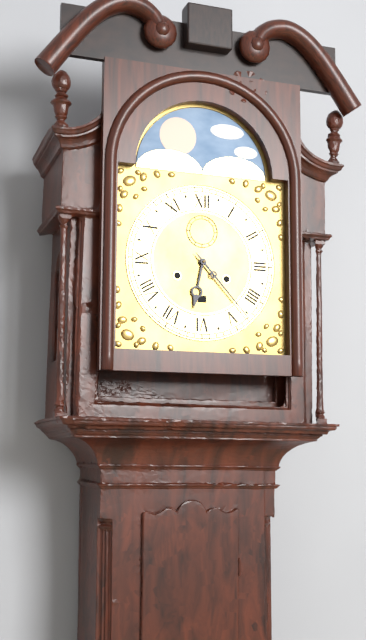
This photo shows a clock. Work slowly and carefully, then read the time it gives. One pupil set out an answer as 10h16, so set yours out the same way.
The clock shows 6h23
